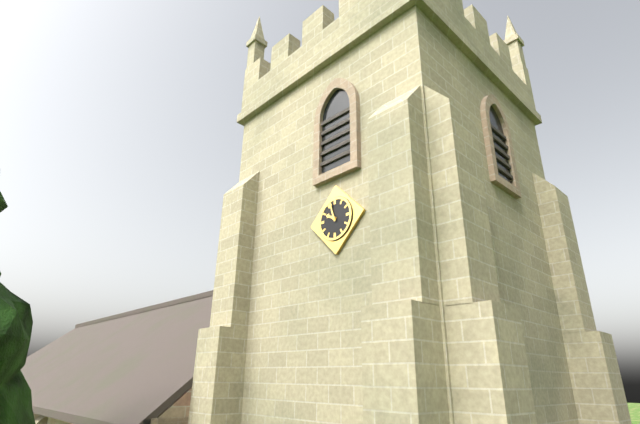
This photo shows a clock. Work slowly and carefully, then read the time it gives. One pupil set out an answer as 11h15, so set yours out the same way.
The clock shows 9h57
